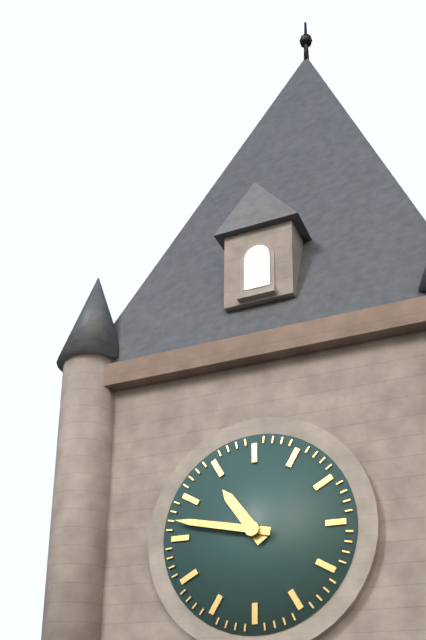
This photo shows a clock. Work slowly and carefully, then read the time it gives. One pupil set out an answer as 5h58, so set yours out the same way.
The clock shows 10h47
